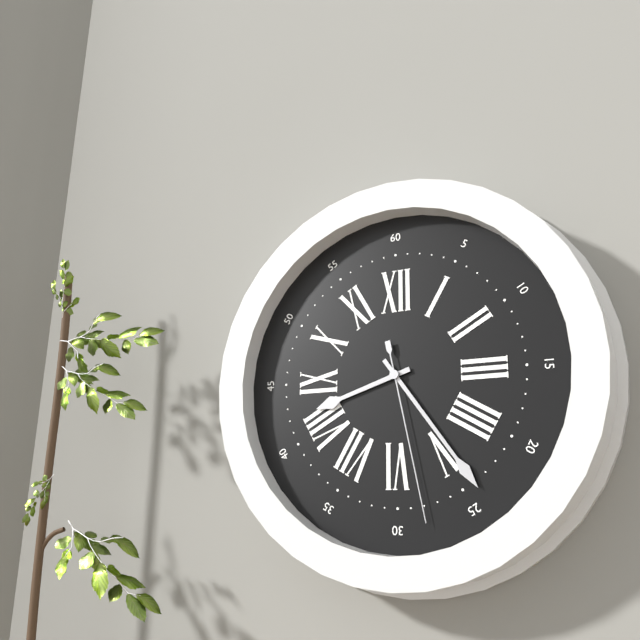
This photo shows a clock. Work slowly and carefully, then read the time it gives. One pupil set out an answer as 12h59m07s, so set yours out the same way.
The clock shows 8h24m28s
